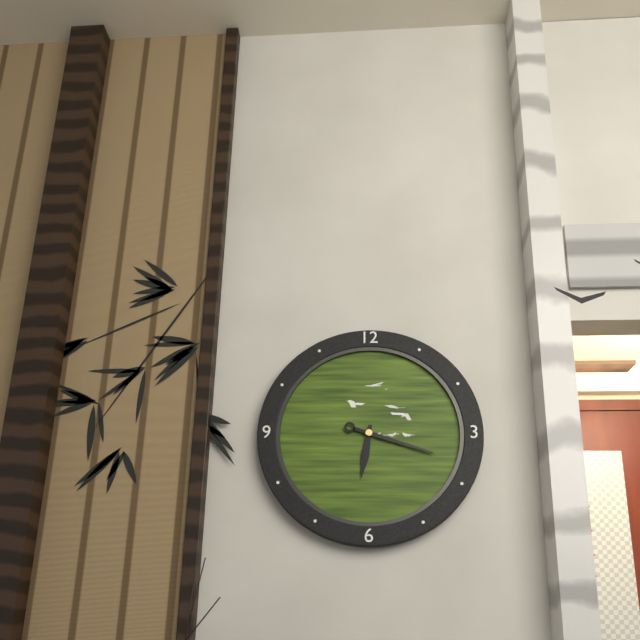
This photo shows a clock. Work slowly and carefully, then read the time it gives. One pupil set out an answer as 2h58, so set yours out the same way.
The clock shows 6h18
